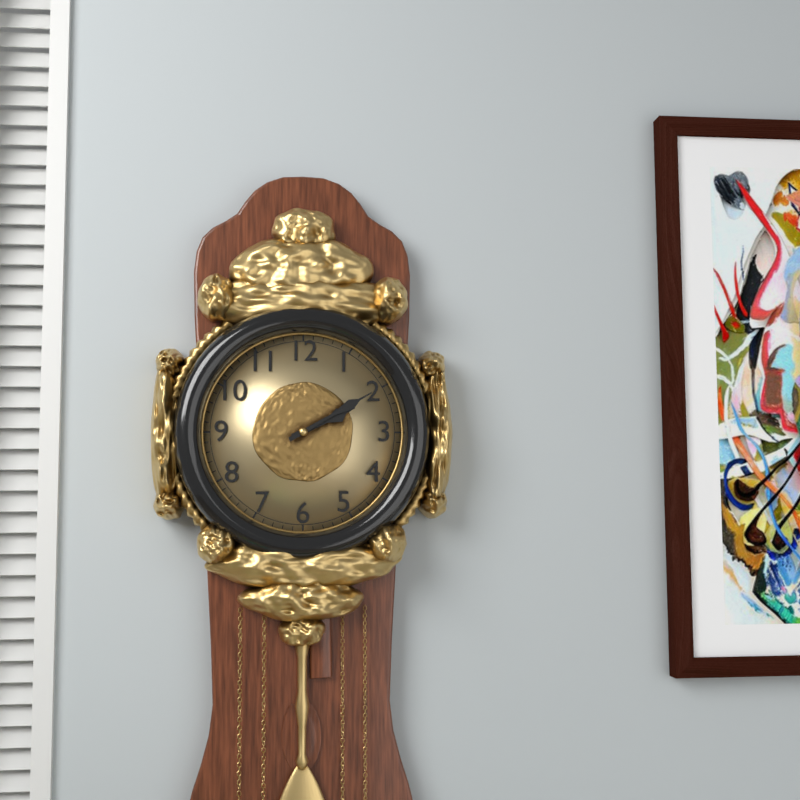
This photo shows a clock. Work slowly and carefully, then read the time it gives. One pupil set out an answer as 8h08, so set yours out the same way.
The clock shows 2h10
